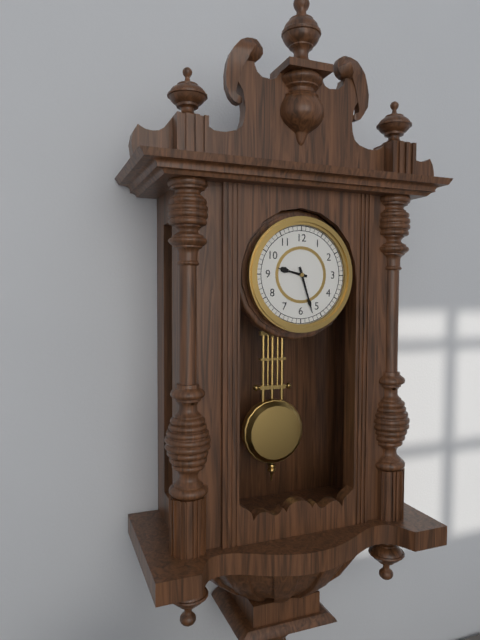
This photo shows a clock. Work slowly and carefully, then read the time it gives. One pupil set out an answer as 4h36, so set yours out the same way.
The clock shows 9h27
